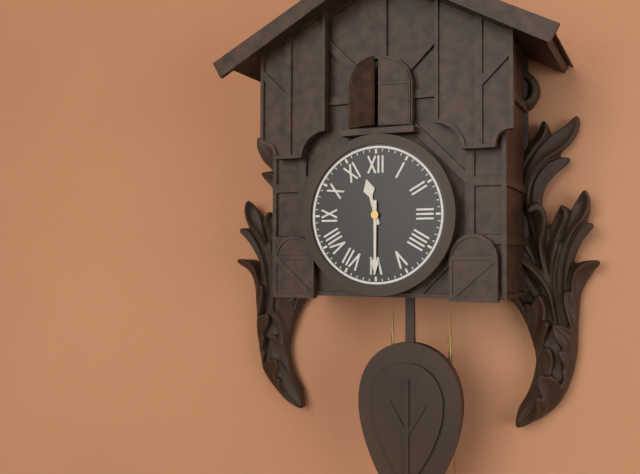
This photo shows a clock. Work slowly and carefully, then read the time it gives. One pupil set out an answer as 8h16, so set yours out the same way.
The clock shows 11h30
